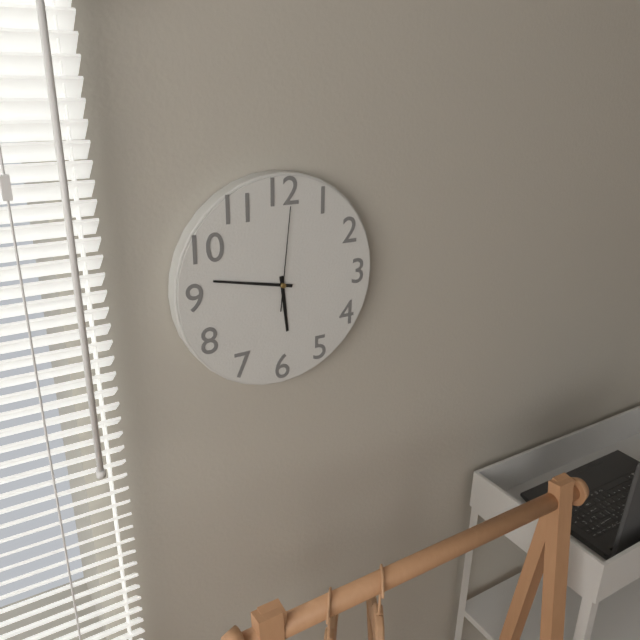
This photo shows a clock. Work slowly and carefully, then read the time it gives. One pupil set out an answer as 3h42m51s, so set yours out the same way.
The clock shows 5h47m01s
